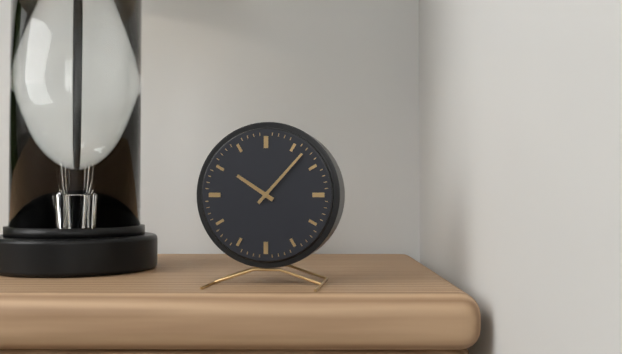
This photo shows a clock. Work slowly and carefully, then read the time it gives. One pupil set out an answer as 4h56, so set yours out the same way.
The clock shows 10h07
